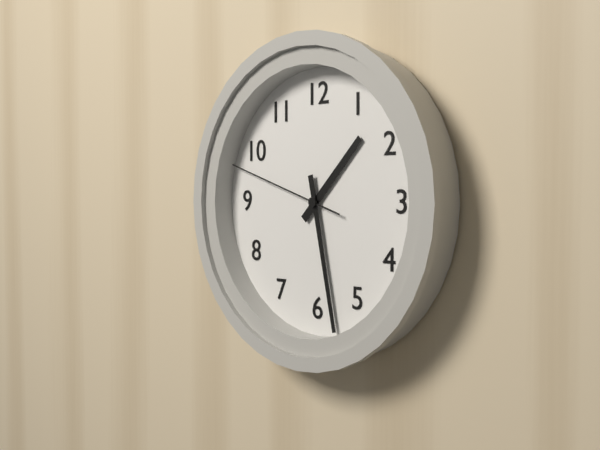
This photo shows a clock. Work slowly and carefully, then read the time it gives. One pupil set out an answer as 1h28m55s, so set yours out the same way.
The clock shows 1h28m48s
